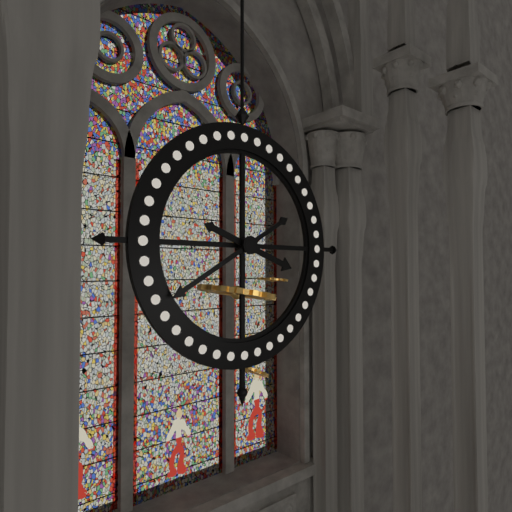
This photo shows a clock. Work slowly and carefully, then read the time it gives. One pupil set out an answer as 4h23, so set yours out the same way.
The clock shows 3h40
